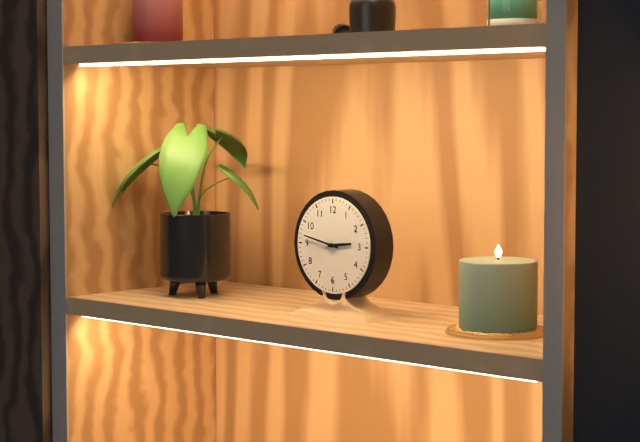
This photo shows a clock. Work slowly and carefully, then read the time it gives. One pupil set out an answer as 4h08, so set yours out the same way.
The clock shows 2h47
